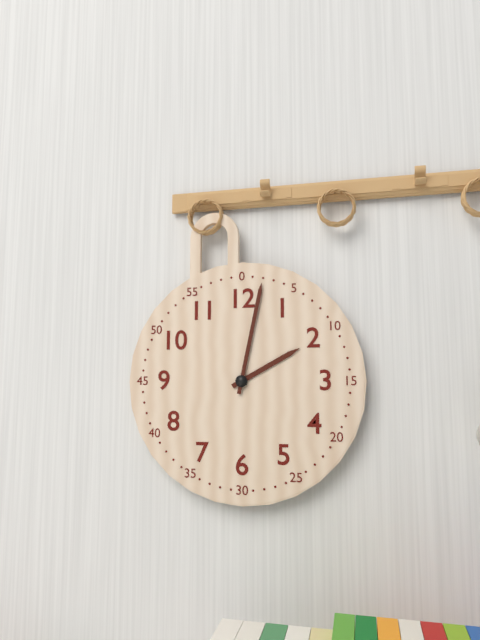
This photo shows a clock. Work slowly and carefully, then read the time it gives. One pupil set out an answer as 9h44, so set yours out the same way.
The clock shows 2h02
